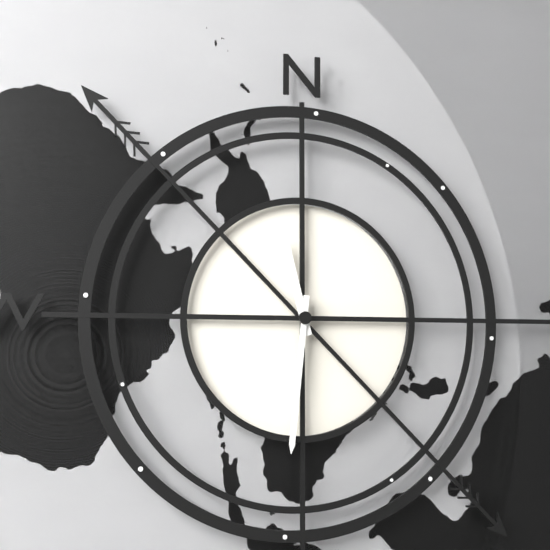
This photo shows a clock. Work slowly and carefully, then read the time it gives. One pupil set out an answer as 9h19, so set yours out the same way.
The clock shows 11h31
